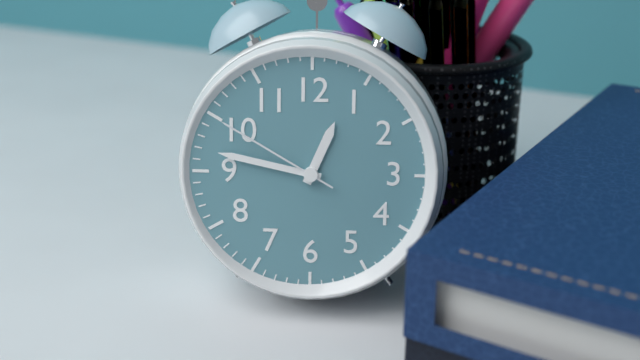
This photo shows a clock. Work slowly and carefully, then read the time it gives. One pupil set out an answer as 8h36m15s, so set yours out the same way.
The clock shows 12h47m50s
